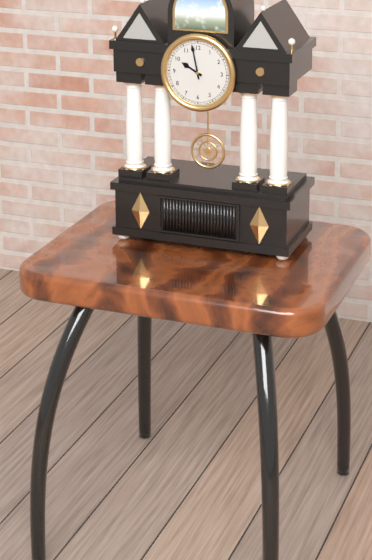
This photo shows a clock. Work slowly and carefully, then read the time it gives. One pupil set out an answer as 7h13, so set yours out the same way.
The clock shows 9h58
